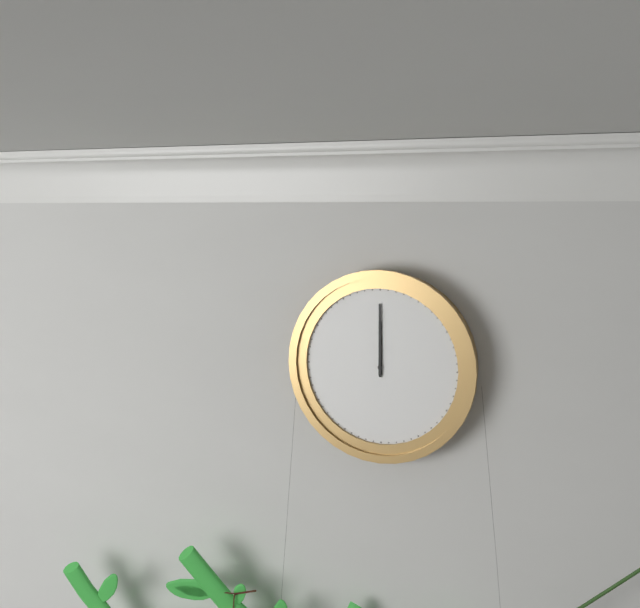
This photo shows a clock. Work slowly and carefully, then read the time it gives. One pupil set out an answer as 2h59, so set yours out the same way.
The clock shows 12h00
